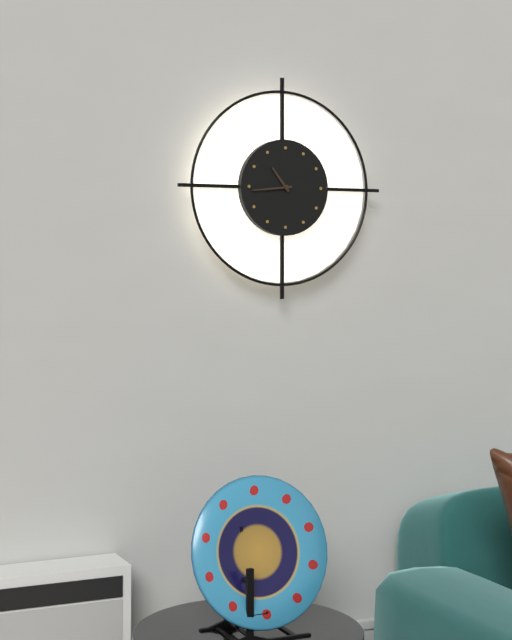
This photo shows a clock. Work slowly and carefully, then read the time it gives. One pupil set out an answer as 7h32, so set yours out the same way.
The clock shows 10h44
